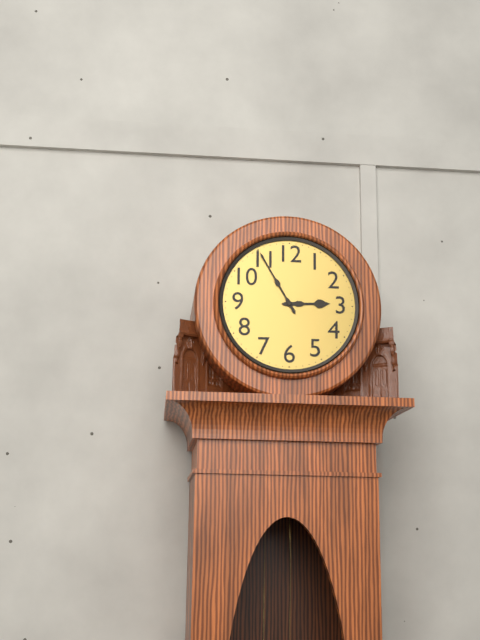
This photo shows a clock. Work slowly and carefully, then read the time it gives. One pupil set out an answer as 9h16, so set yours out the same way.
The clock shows 2h55
